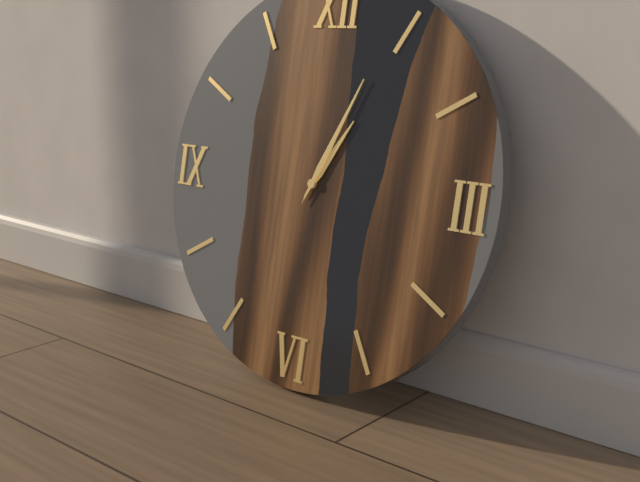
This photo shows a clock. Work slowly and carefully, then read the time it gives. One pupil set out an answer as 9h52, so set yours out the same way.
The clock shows 1h04
